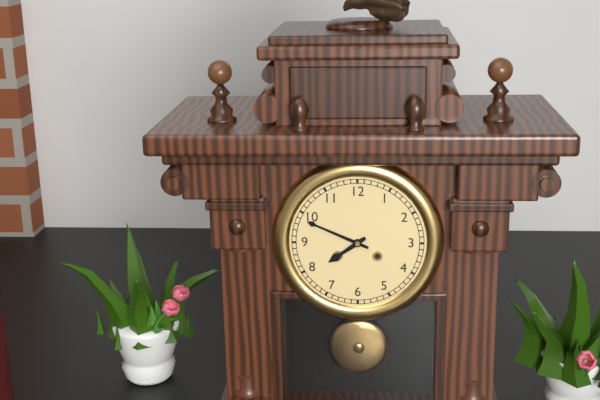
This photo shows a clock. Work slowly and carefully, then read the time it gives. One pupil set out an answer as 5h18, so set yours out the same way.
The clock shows 7h49
